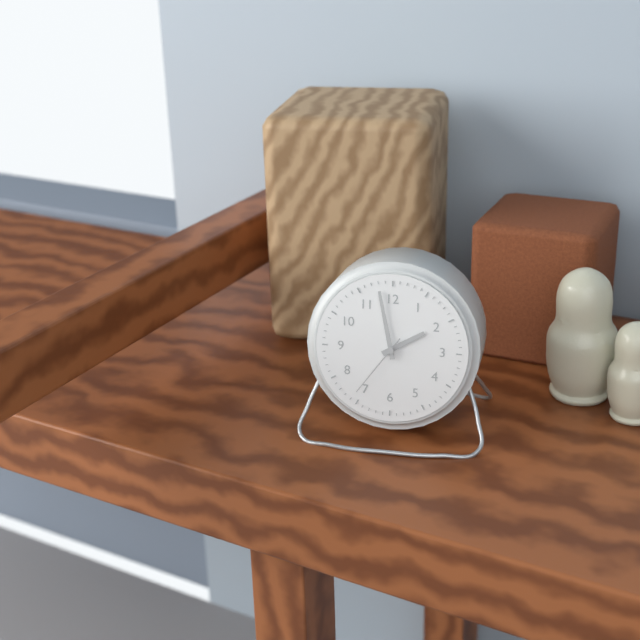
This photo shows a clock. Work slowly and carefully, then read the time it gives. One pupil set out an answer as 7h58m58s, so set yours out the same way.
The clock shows 1h58m36s
